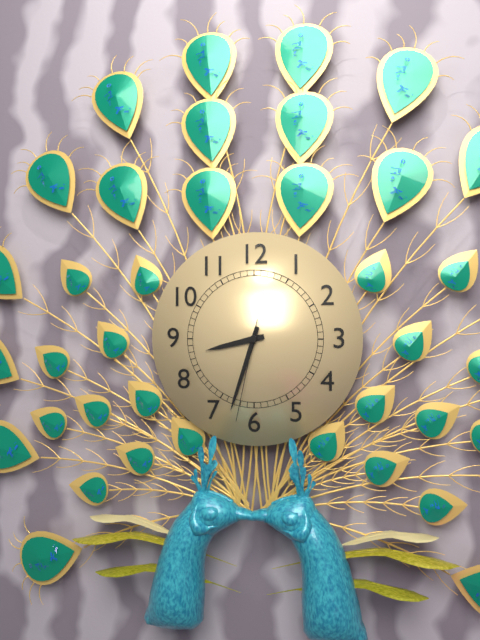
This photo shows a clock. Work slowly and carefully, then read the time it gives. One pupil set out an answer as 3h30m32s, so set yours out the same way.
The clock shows 8h33m32s
